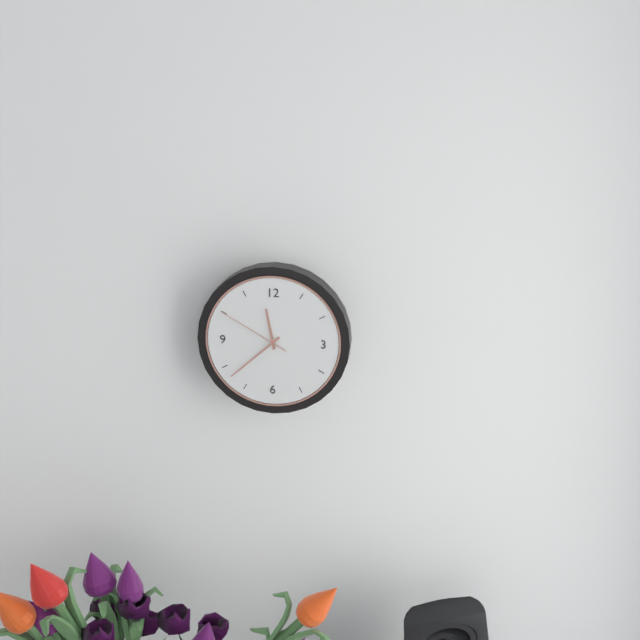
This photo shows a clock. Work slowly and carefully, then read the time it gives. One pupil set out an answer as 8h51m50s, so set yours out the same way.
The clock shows 11h38m50s
